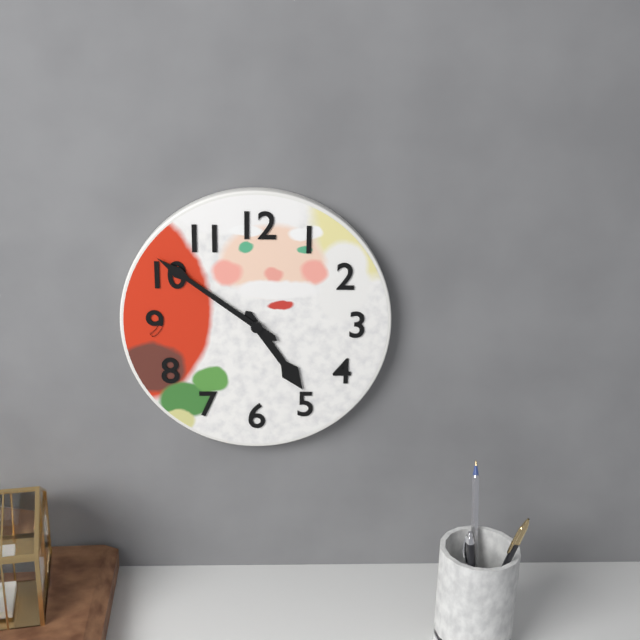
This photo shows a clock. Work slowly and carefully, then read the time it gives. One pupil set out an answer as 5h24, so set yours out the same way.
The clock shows 4h51
